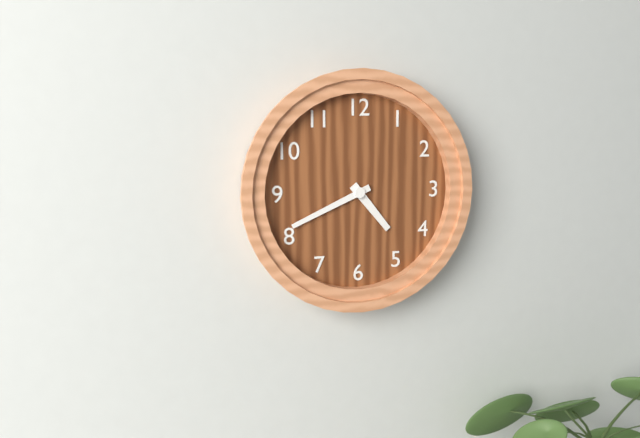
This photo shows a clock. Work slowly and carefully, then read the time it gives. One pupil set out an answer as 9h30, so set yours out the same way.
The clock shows 4h41
